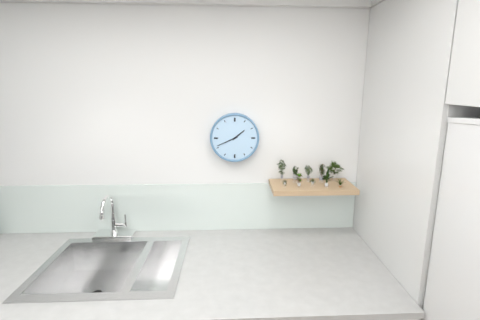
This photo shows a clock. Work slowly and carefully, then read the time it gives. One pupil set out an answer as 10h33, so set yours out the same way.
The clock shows 1h41
